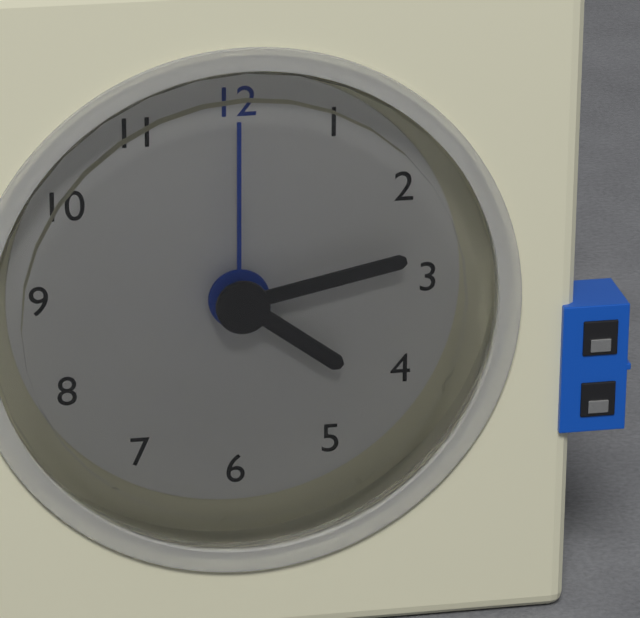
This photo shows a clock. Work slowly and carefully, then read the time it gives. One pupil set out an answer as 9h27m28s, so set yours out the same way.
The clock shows 4h13m00s
